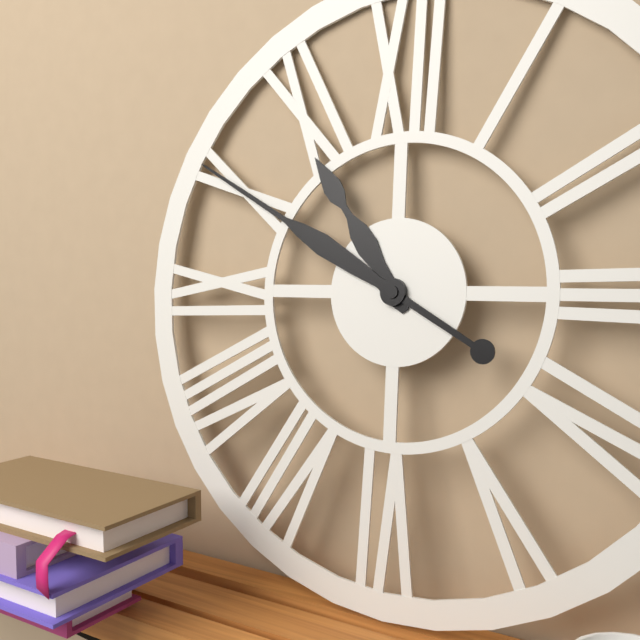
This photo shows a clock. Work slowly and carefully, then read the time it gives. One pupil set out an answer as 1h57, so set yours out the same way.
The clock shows 10h50
